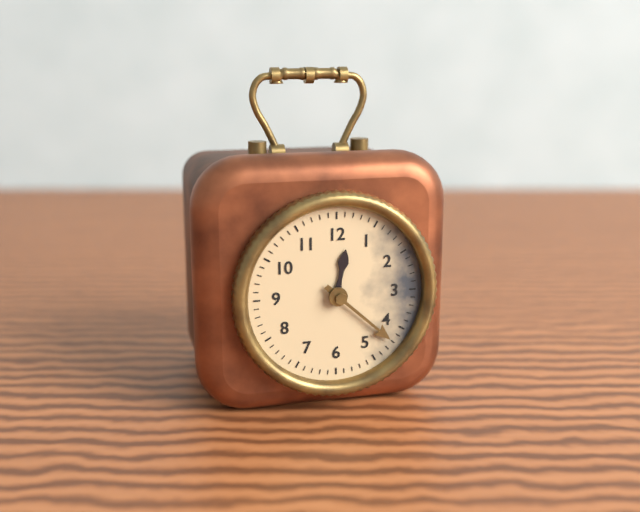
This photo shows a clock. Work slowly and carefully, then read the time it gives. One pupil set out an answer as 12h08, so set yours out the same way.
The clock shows 12h22
